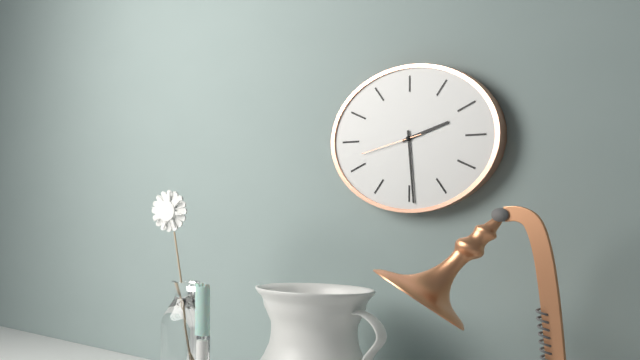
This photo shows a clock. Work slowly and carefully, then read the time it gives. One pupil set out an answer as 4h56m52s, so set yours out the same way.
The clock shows 2h29m43s
